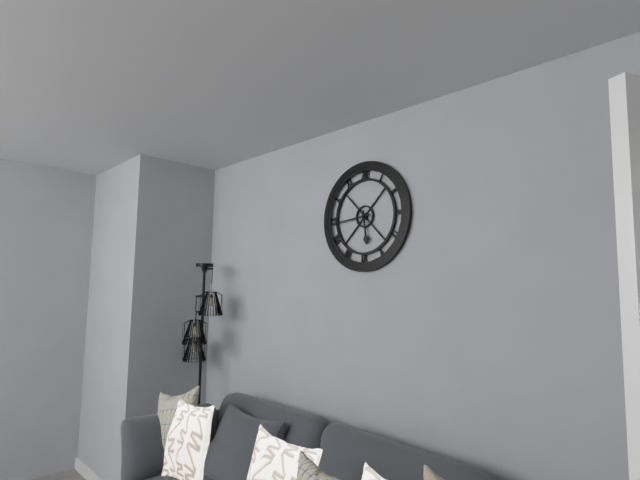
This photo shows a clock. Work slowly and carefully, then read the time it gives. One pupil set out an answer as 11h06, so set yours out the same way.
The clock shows 5h44
